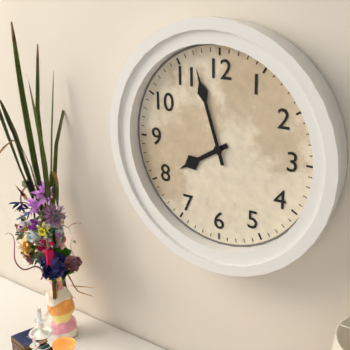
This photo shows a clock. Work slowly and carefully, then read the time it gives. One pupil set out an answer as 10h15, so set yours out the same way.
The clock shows 7h57
